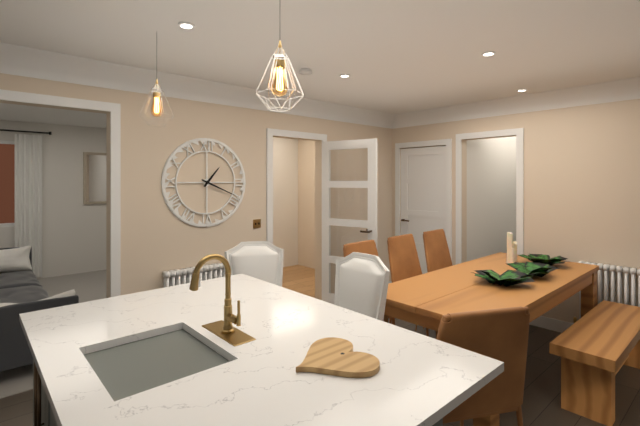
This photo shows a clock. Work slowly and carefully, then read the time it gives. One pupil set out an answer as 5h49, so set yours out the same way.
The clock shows 1h19
